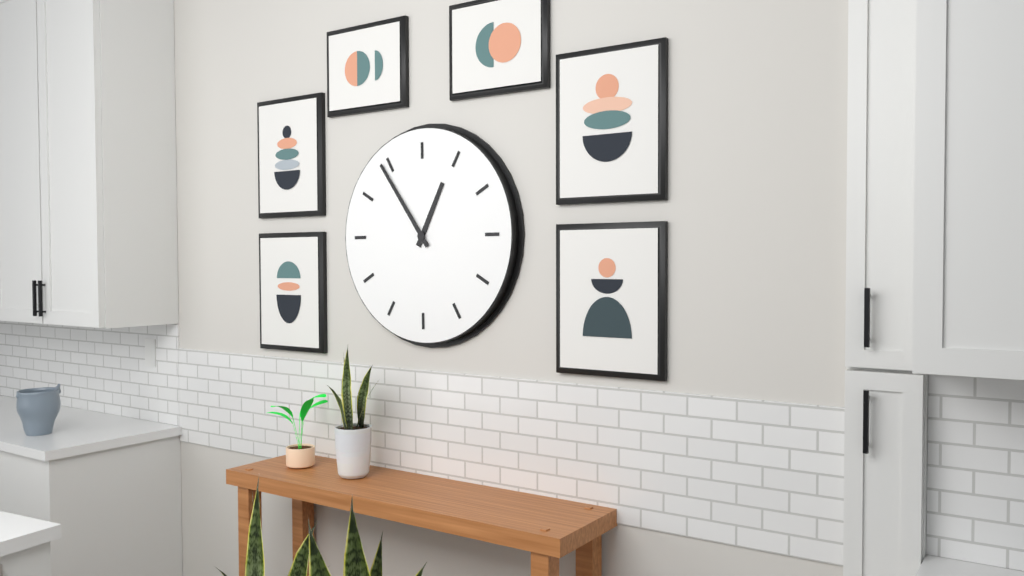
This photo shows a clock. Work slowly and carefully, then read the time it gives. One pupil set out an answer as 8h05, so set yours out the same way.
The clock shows 12h54
